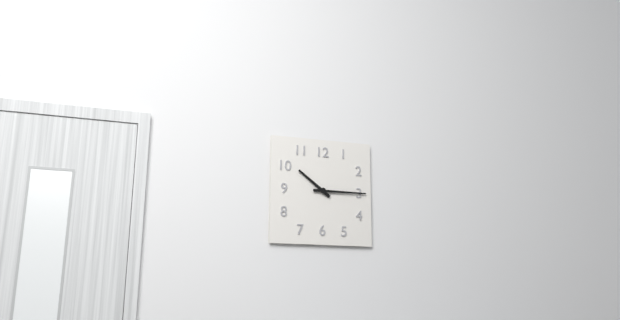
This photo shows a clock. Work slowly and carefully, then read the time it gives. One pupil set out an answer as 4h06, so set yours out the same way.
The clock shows 10h15
